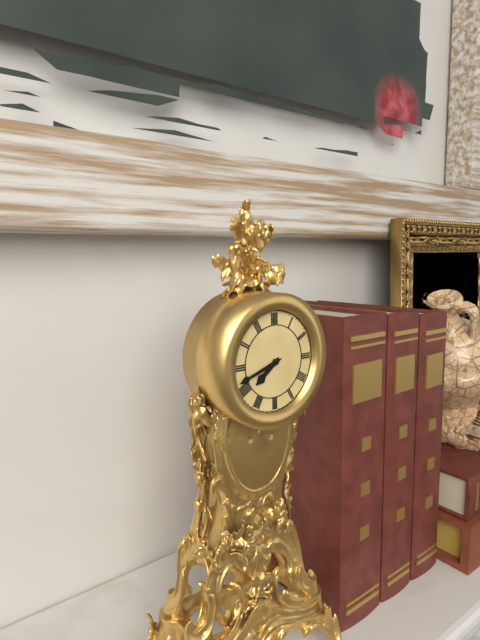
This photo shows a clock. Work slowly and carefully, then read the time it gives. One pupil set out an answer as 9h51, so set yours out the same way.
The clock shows 7h42
